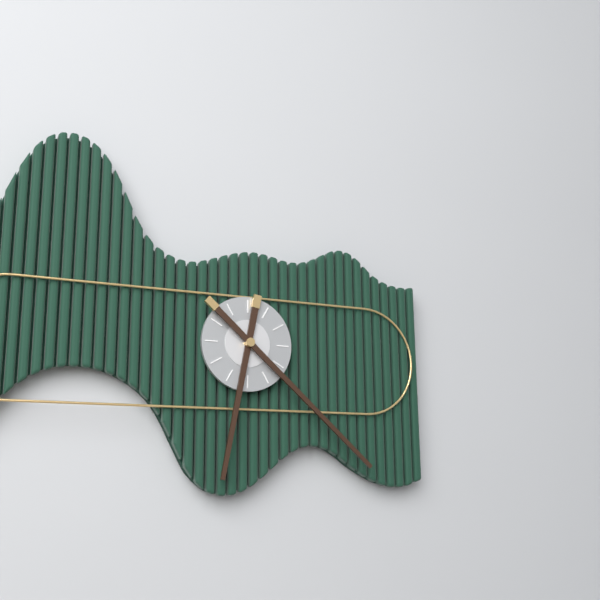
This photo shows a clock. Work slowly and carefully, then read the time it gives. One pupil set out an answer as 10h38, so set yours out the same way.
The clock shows 6h22
